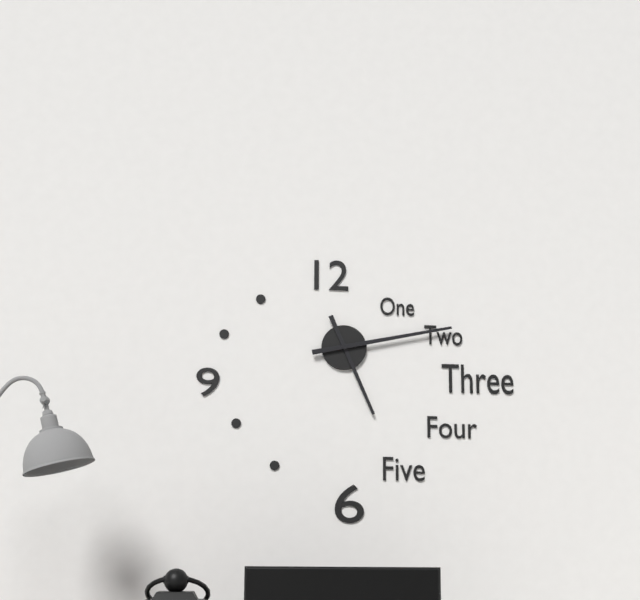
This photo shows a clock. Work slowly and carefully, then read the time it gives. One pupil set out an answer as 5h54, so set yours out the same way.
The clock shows 5h13
